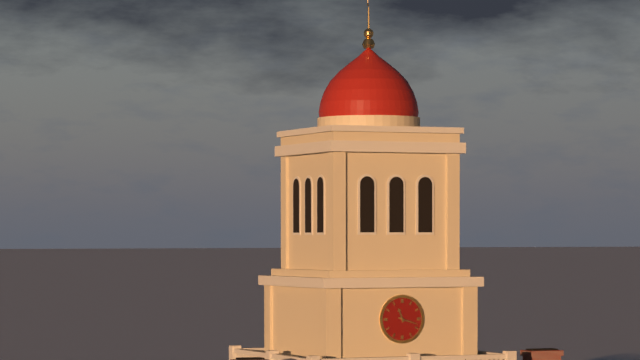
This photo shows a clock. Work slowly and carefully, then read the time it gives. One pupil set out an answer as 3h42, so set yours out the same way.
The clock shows 11h18
